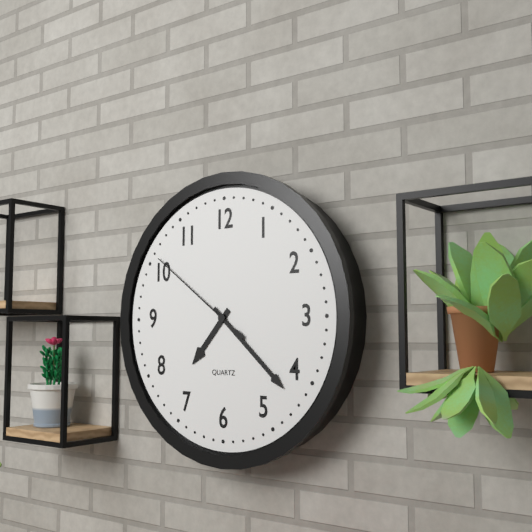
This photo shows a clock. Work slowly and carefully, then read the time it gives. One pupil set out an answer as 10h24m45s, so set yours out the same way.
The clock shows 7h22m51s
